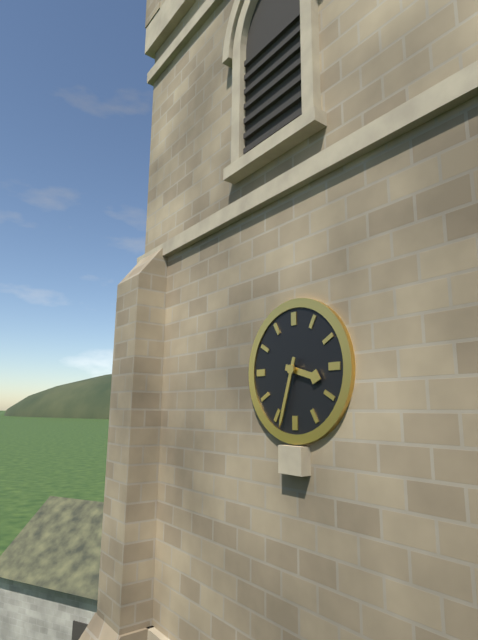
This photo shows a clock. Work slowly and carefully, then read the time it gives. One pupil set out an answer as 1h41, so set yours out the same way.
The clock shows 3h33
